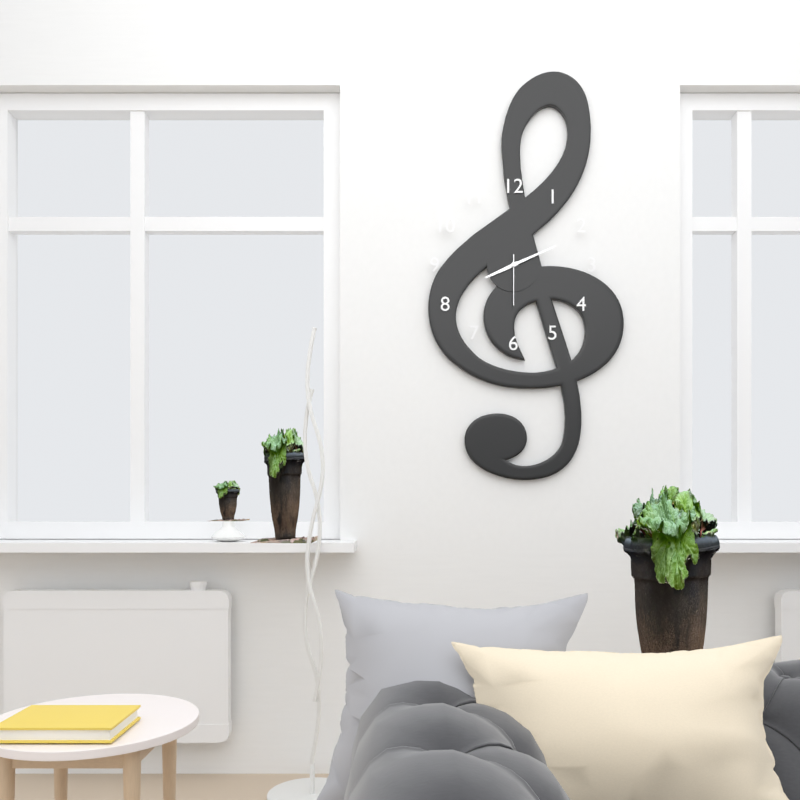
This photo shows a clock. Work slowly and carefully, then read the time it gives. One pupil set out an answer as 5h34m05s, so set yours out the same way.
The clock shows 8h11m30s
